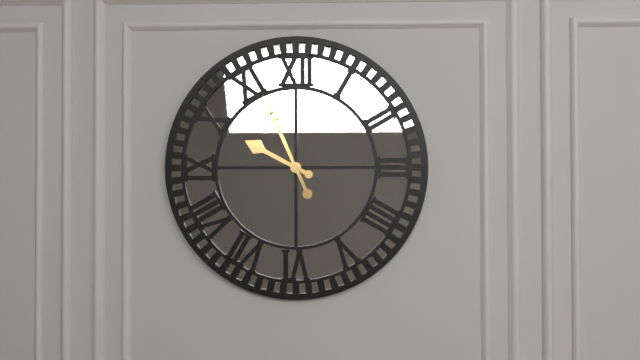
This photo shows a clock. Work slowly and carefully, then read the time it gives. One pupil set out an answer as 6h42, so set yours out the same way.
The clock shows 9h56
